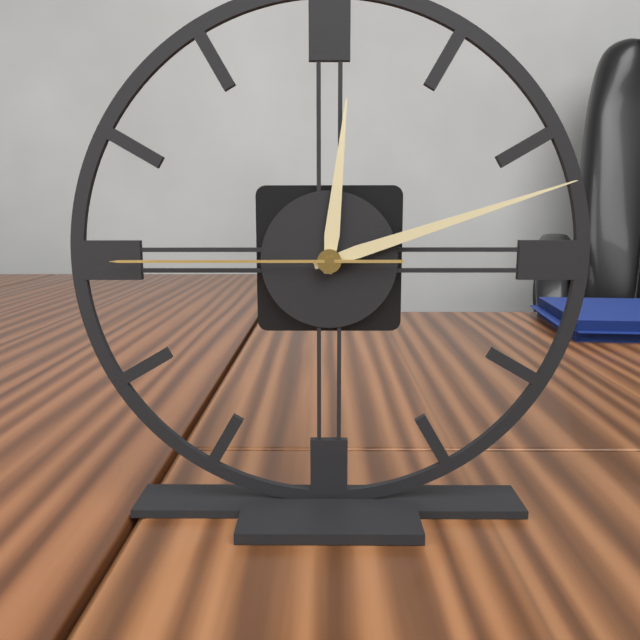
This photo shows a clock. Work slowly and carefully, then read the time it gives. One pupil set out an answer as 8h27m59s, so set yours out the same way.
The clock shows 12h12m45s
